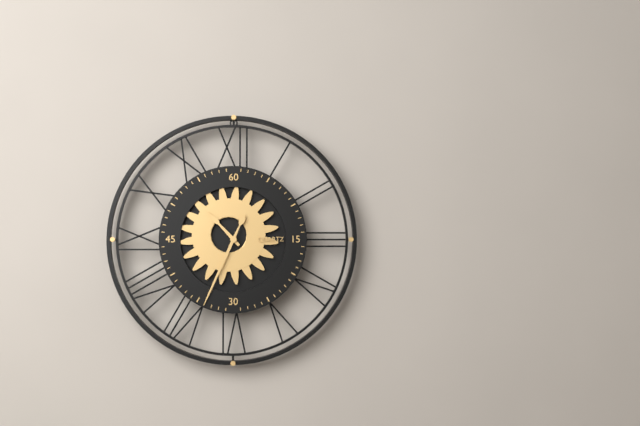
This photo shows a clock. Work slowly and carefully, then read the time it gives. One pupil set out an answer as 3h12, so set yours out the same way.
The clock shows 10h34
